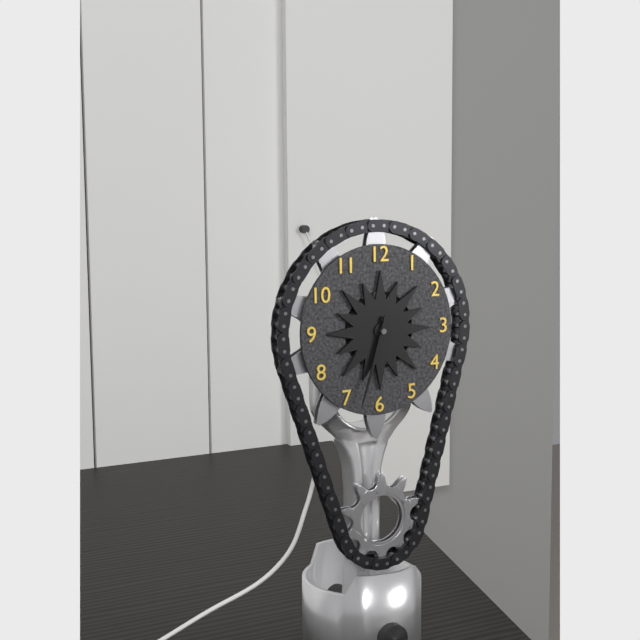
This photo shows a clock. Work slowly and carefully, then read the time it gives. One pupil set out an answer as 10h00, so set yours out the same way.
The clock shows 6h33
